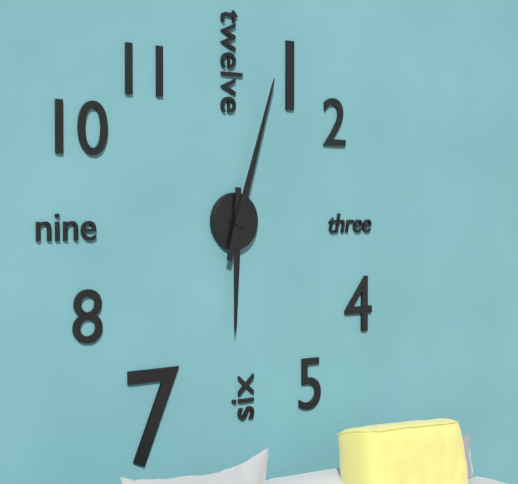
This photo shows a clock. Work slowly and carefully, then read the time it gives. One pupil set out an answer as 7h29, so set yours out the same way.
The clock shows 6h03
